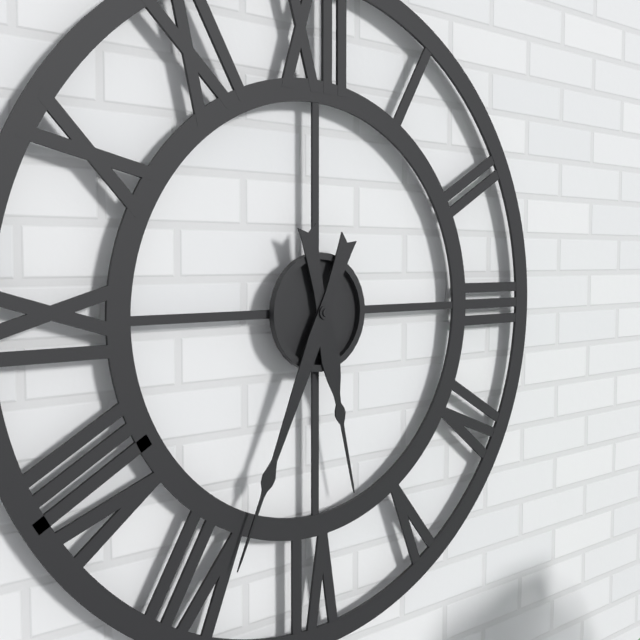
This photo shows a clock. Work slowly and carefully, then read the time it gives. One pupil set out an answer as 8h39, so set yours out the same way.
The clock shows 5h34
